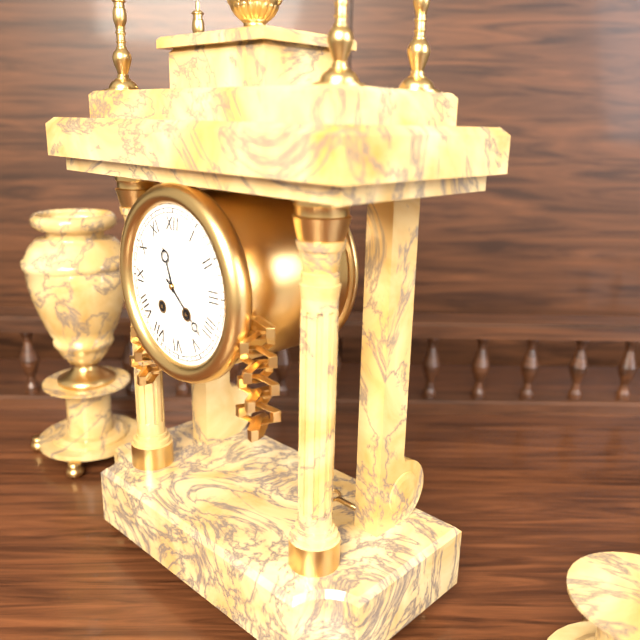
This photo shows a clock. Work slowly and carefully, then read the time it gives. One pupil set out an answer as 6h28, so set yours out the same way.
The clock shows 11h22
